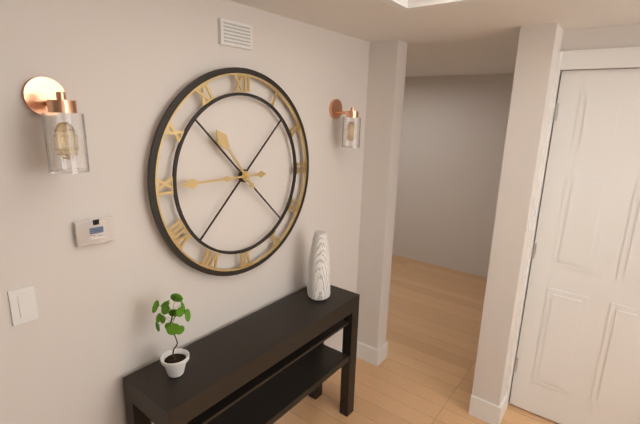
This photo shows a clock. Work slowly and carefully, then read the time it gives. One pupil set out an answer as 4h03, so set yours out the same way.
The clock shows 10h45
